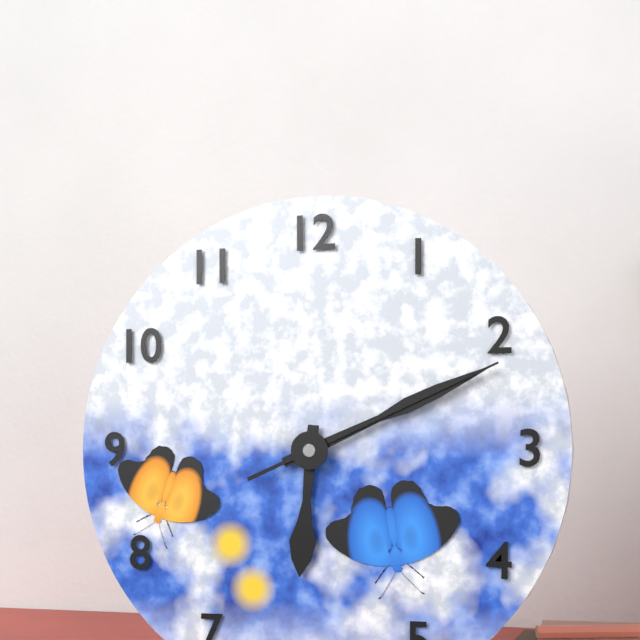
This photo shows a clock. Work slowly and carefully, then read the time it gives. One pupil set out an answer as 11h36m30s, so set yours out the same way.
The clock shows 6h11m11s
